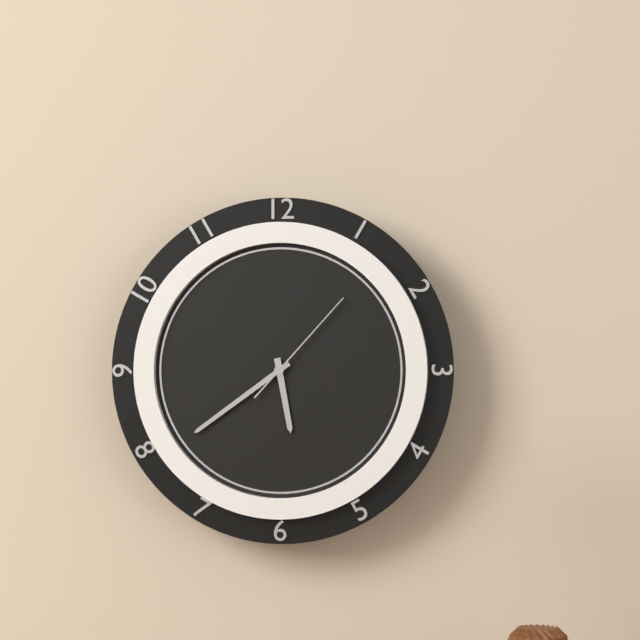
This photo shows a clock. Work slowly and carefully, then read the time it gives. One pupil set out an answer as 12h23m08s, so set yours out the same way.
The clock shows 5h39m07s
